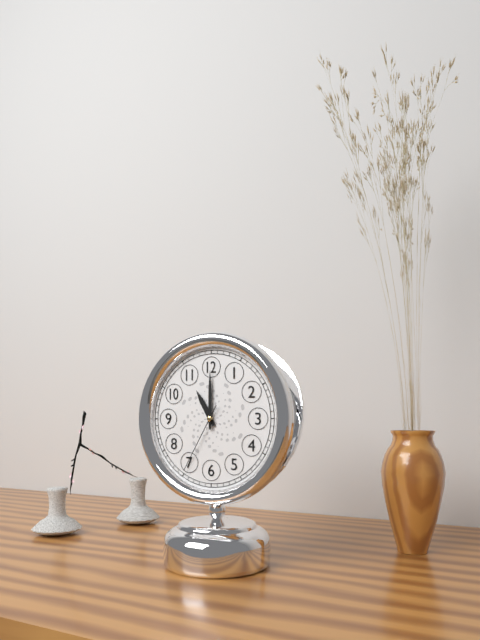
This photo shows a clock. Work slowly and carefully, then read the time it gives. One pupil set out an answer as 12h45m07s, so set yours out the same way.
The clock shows 11h00m35s
